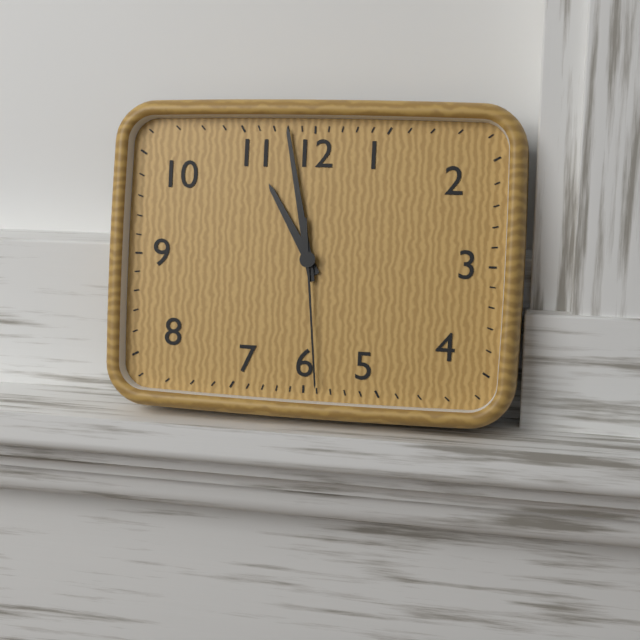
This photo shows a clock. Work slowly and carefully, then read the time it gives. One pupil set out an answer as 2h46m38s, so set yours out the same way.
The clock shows 10h58m29s
